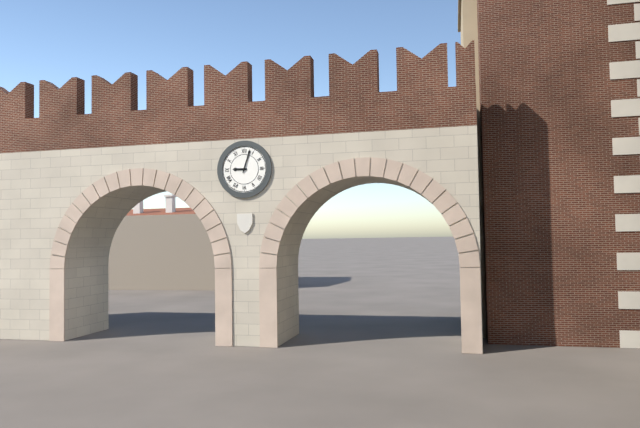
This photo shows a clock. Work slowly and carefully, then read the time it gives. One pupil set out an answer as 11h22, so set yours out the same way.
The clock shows 9h03
